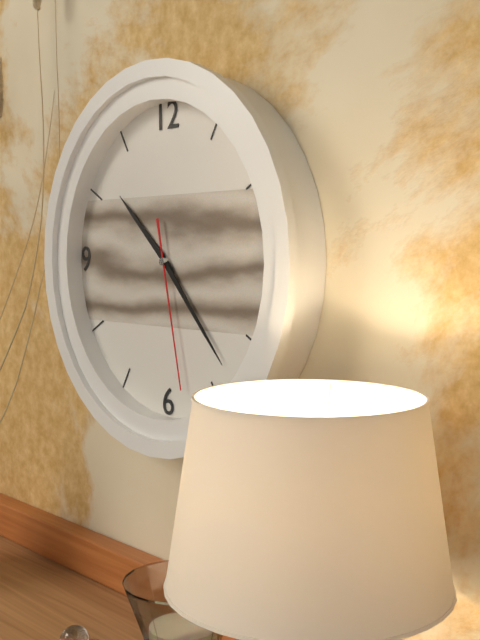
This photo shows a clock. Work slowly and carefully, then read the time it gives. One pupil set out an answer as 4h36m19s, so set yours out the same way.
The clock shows 10h23m28s
